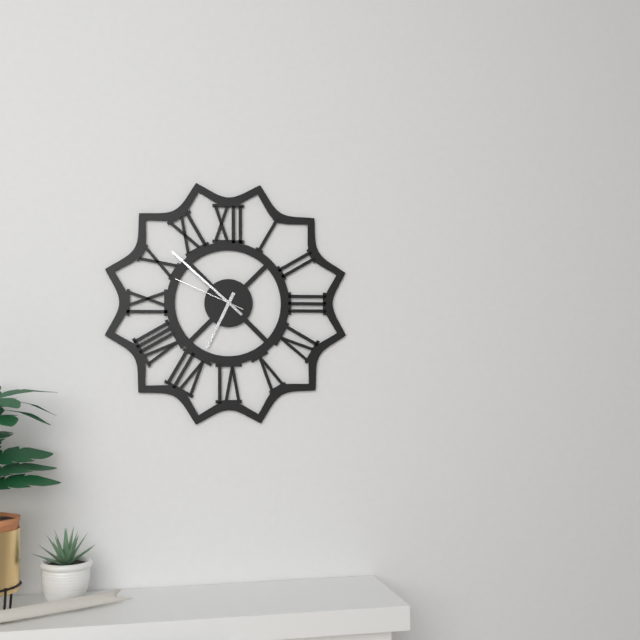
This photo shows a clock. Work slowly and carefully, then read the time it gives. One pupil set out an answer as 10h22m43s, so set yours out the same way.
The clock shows 6h52m49s
